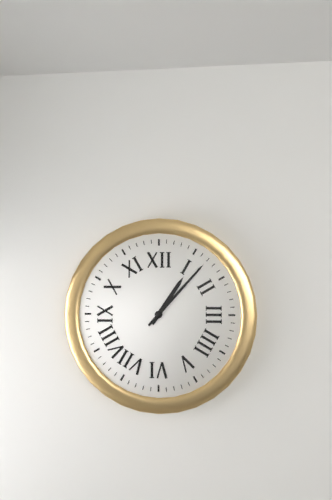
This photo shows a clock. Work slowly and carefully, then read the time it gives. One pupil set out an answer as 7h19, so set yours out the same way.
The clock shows 1h07
